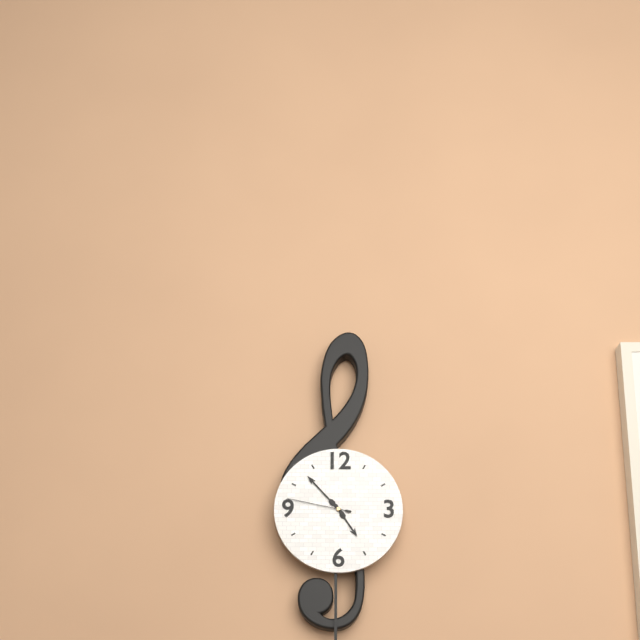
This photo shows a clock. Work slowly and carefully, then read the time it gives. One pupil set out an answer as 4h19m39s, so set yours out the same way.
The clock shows 4h53m47s
